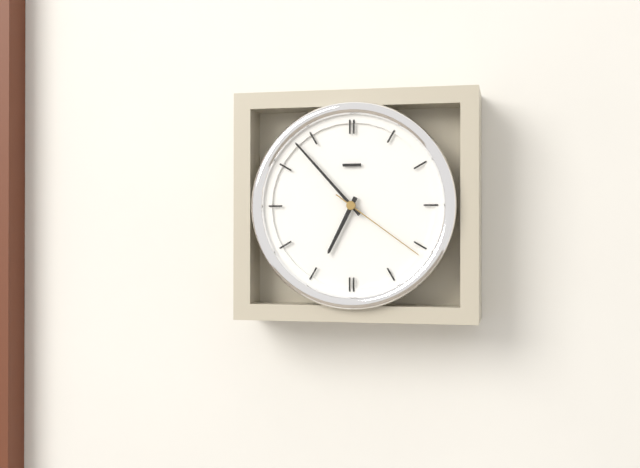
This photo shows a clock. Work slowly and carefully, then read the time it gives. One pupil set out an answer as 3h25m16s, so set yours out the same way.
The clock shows 6h53m21s
